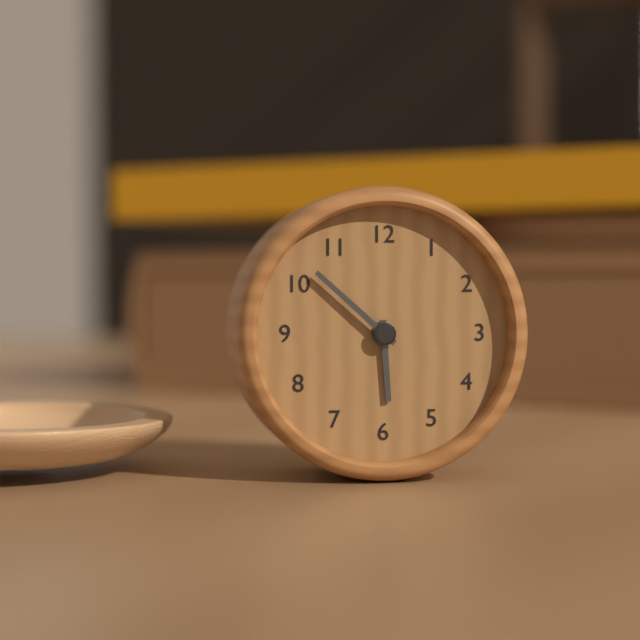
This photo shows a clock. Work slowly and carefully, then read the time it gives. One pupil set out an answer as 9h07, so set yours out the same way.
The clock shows 5h52
